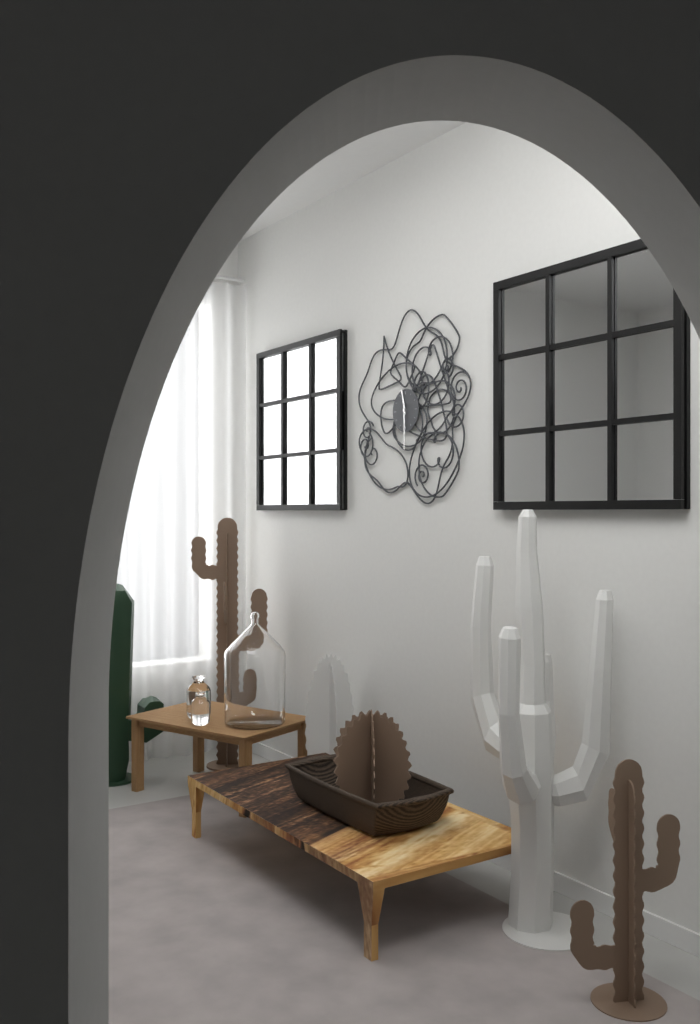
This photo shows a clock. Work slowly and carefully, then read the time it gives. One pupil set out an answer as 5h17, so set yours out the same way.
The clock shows 11h30
